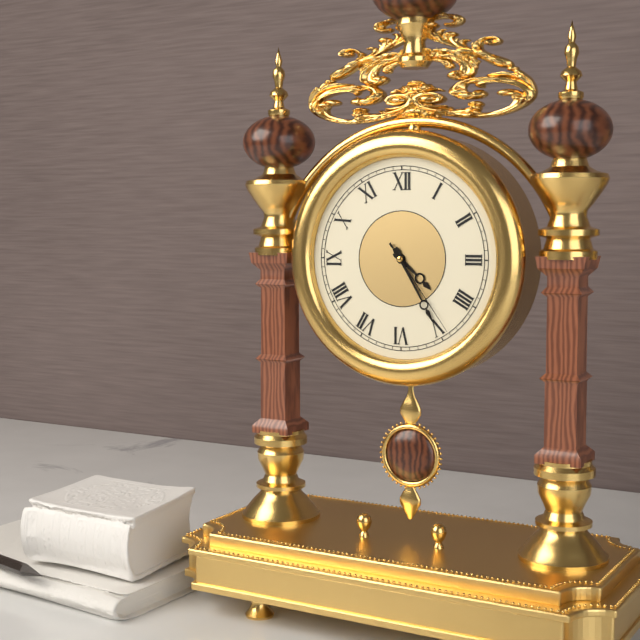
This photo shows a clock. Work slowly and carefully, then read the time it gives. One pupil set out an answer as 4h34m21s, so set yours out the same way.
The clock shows 4h25m24s
